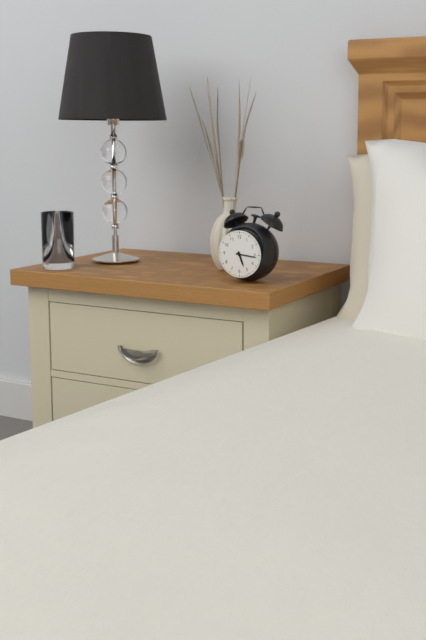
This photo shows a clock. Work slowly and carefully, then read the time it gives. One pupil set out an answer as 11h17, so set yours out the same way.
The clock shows 5h16
